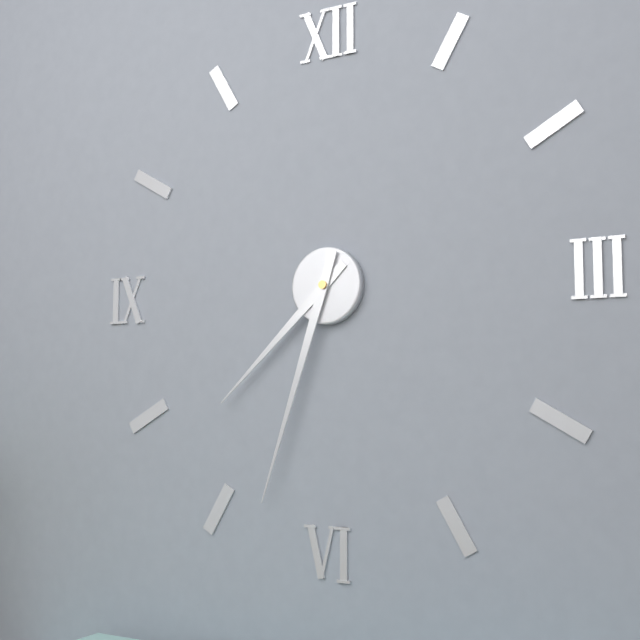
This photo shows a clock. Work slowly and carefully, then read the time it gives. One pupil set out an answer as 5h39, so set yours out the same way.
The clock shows 7h33
